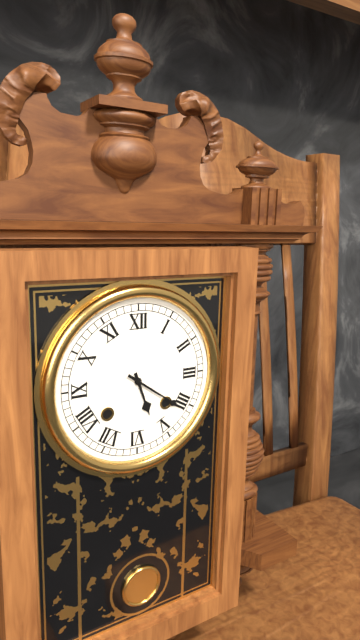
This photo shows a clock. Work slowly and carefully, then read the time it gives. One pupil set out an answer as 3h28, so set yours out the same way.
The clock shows 5h21
